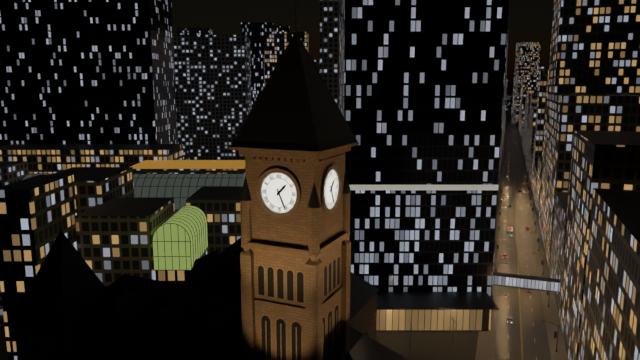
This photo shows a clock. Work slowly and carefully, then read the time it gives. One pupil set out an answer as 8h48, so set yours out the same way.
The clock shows 1h26
